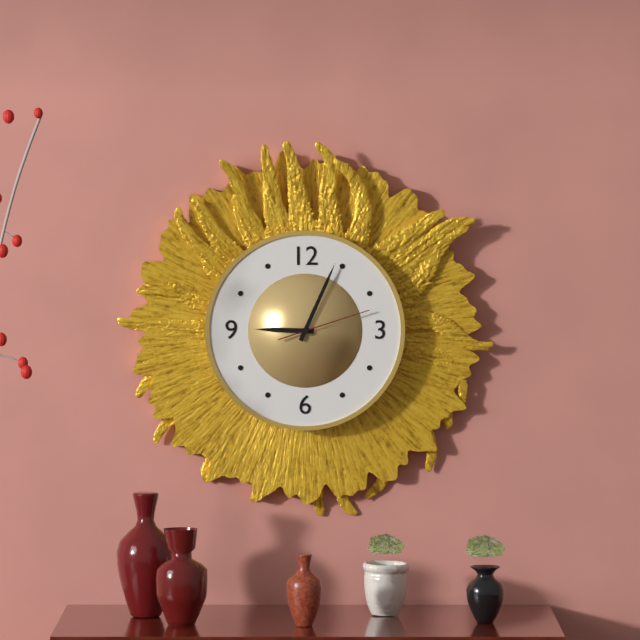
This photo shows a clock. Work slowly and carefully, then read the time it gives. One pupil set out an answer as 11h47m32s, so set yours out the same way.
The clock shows 9h04m12s
